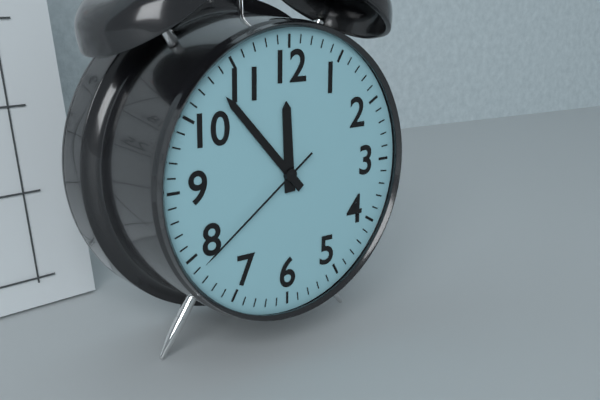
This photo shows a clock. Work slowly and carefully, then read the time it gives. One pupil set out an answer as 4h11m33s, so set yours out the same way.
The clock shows 11h53m39s
